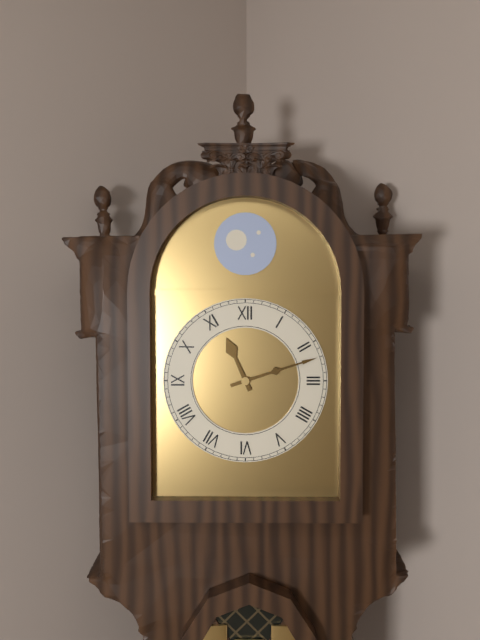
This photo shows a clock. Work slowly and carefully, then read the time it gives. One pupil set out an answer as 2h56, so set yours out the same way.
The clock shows 11h12
